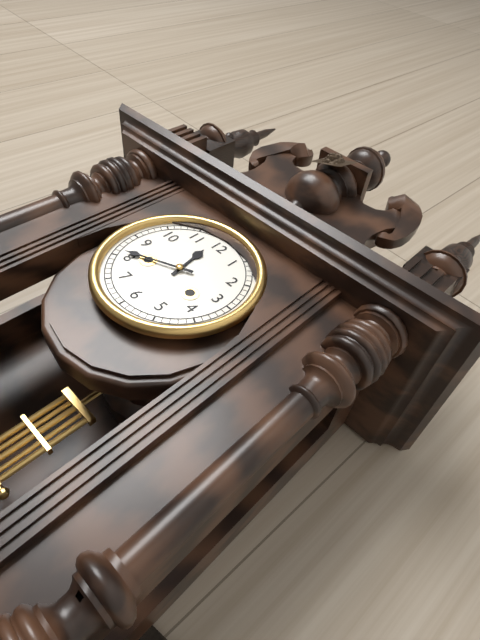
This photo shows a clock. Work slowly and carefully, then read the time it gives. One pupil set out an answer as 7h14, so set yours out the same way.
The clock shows 11h41
